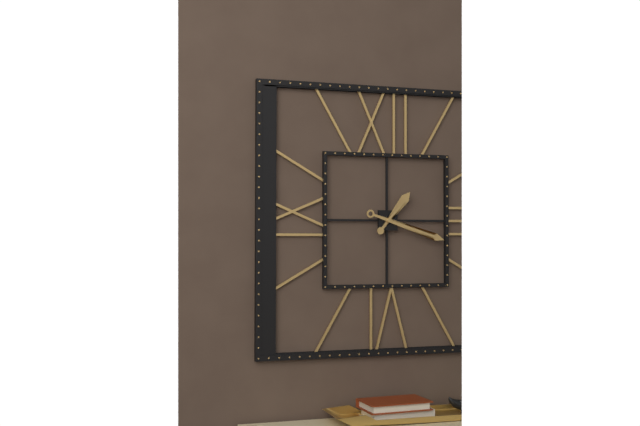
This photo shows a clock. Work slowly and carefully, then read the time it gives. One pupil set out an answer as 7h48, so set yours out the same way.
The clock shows 1h18
